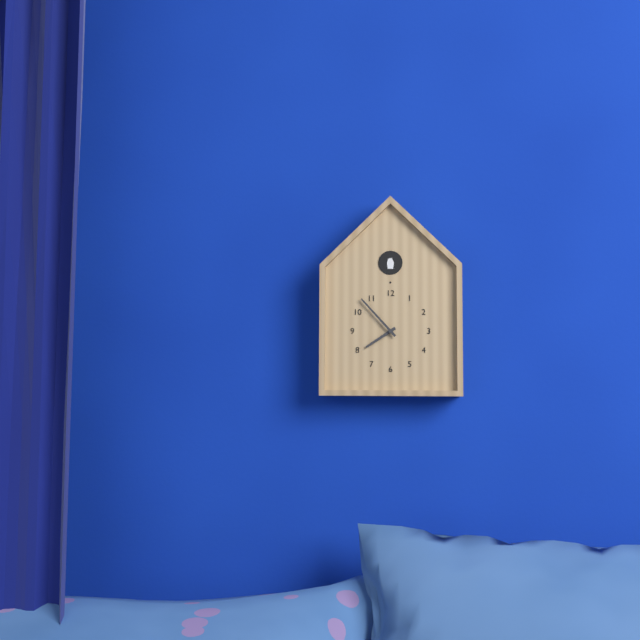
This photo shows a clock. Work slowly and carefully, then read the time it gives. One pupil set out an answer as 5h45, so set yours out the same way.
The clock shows 7h53
